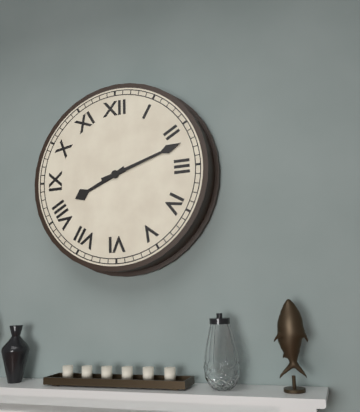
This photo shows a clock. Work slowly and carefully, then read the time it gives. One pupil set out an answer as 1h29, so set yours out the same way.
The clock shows 8h12
